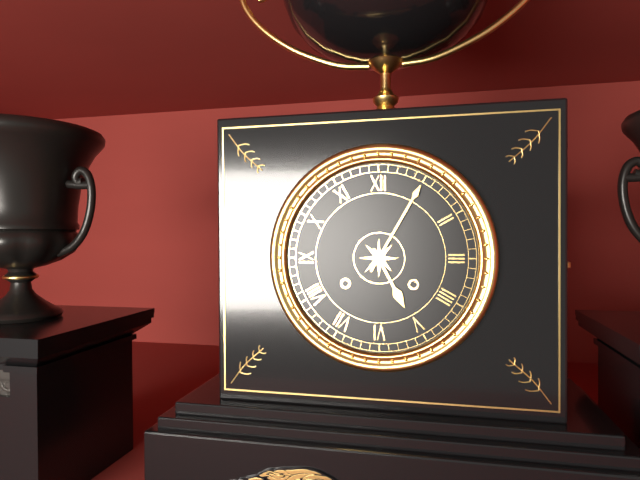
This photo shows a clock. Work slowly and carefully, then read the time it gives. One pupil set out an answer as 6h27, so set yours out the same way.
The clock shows 5h05
